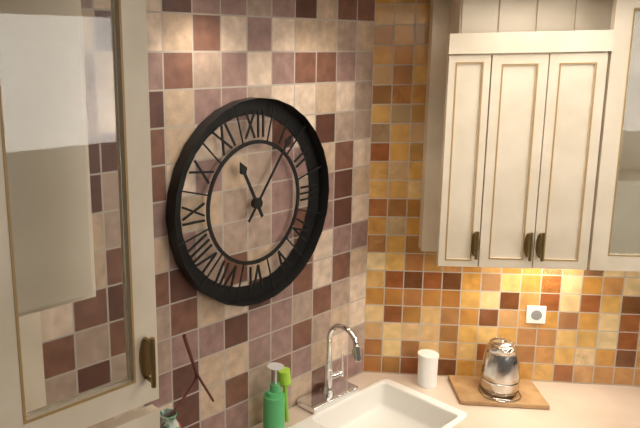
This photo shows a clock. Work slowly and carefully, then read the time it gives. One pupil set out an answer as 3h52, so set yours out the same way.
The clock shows 11h06
